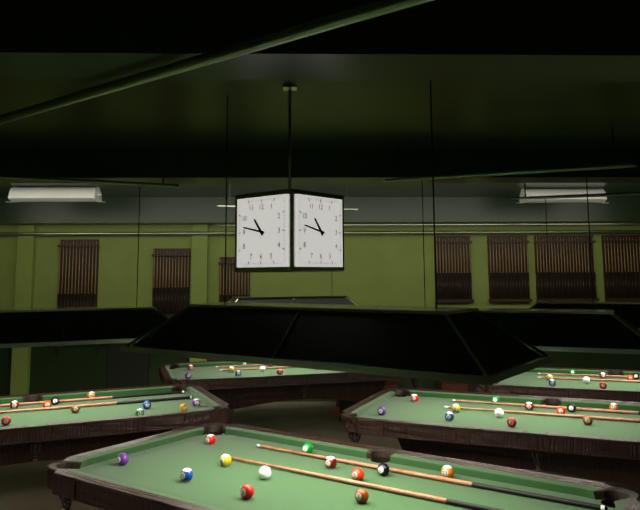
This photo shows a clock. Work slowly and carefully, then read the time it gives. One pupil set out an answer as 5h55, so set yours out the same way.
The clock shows 10h47
